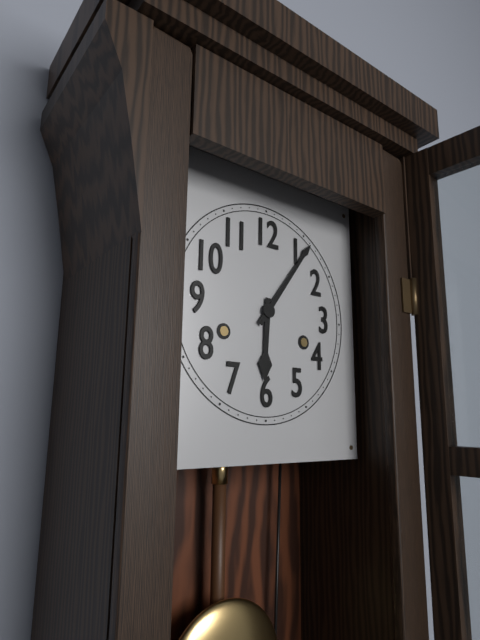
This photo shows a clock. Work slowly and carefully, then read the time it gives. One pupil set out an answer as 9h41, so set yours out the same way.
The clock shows 6h06
